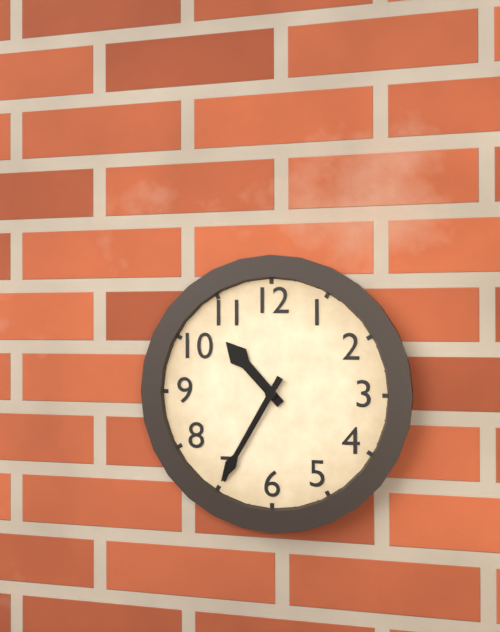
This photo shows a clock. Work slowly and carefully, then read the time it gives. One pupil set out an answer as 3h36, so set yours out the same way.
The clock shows 10h35
